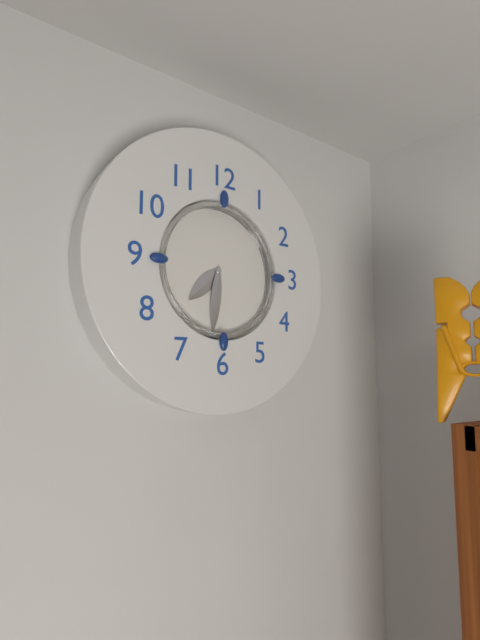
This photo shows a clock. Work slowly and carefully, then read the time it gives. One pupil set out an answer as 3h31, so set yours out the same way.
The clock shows 7h31
